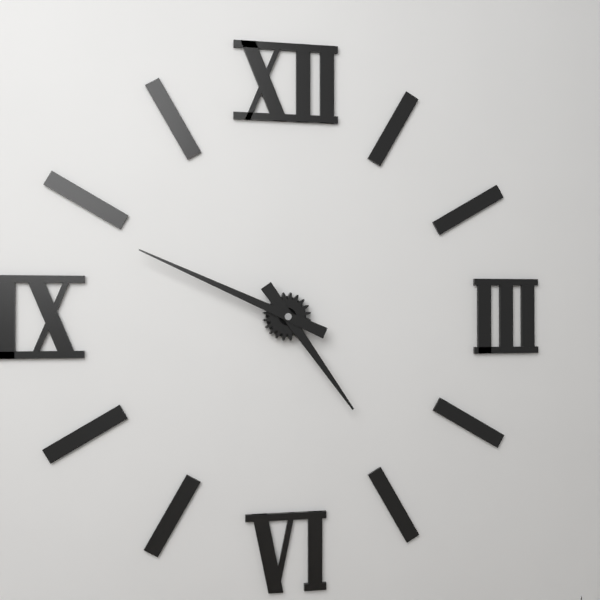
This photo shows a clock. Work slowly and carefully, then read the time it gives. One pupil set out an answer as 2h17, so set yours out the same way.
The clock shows 4h49
